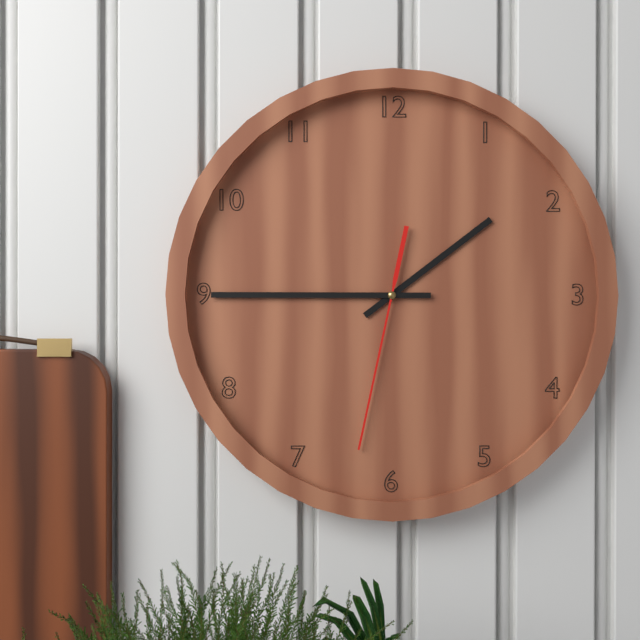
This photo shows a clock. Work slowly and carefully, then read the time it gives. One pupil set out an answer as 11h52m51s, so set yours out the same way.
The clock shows 1h45m32s
